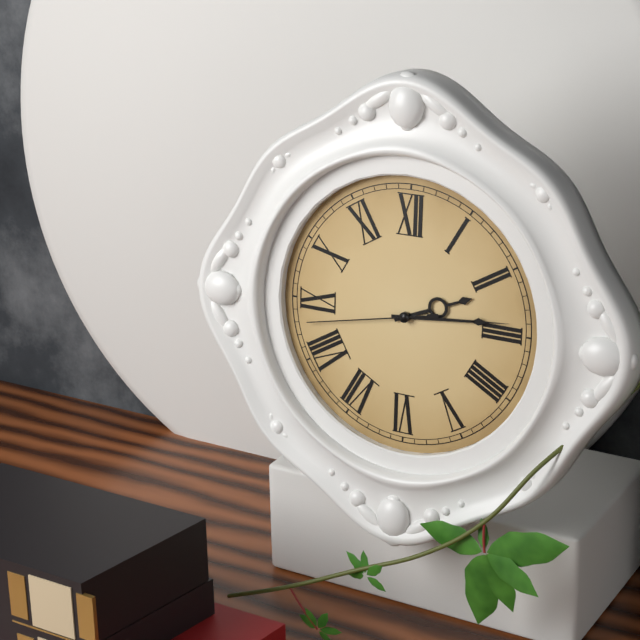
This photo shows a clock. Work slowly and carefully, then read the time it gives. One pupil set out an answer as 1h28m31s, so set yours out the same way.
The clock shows 2h14m43s
